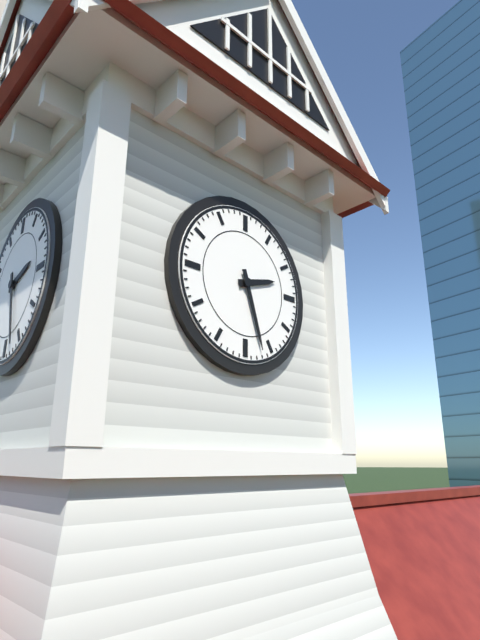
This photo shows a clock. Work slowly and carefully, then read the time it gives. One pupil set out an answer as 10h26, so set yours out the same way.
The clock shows 2h27
